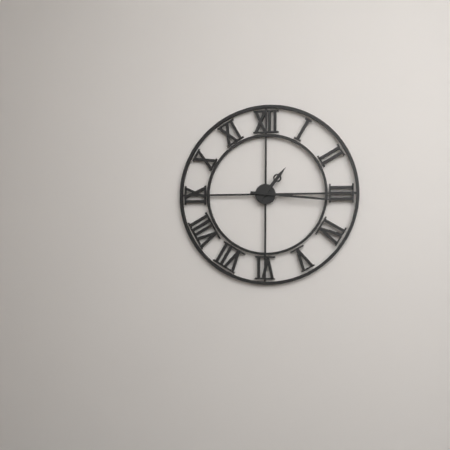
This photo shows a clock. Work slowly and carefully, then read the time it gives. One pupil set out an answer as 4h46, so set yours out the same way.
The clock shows 1h16
